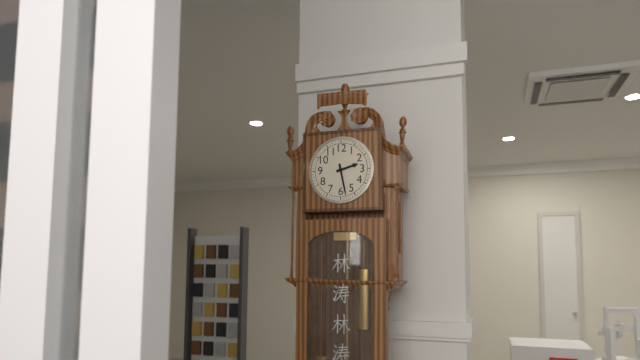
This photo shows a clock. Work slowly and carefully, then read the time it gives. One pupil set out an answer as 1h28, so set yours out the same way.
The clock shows 2h28
